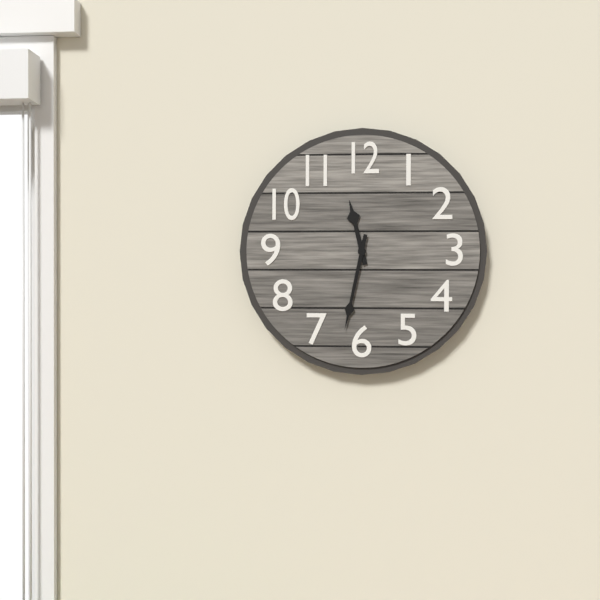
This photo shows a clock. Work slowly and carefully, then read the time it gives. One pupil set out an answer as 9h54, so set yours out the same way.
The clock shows 11h32
